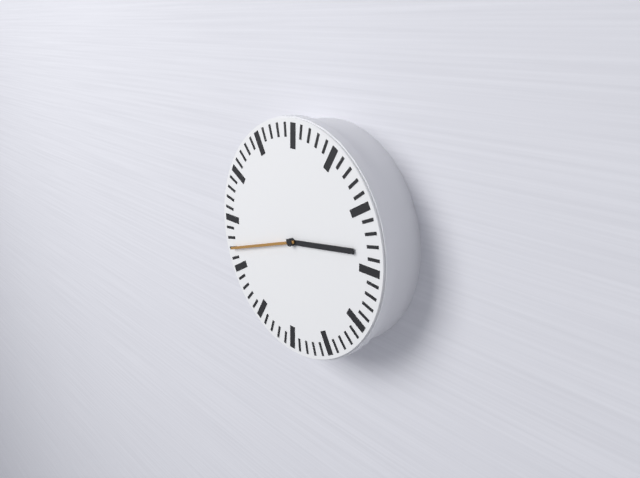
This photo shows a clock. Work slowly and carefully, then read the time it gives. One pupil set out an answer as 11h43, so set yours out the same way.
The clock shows 2h42
